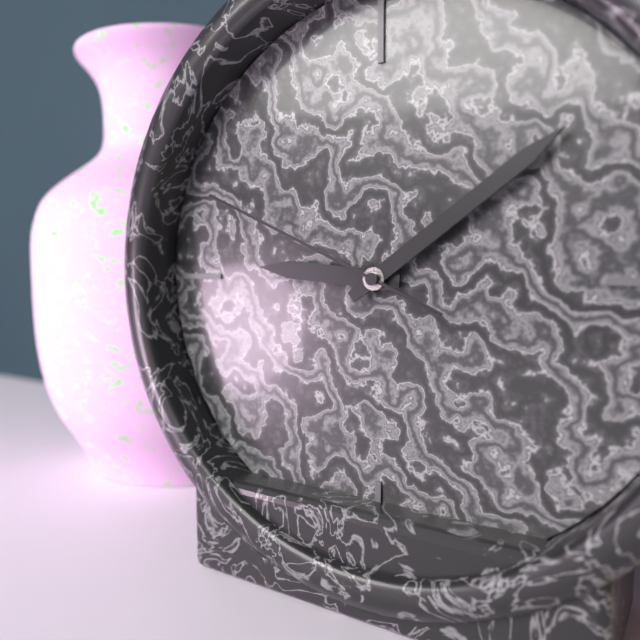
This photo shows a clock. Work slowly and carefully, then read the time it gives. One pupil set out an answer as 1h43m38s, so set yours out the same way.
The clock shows 9h09m49s
